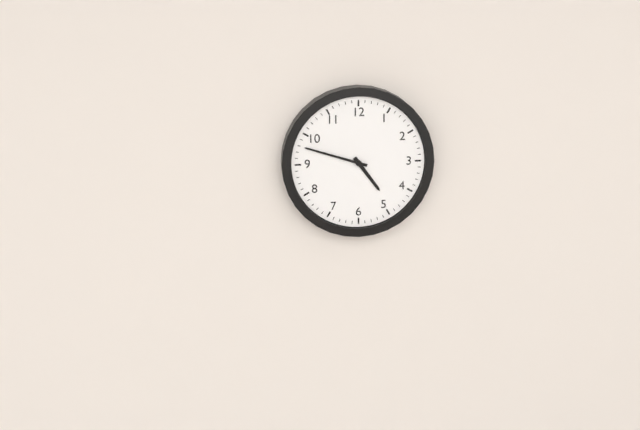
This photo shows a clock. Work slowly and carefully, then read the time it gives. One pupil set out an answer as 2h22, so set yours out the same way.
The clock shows 4h48
